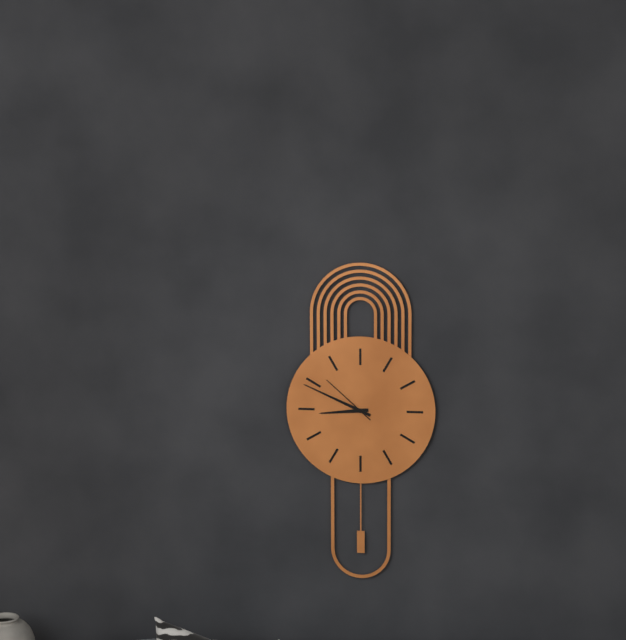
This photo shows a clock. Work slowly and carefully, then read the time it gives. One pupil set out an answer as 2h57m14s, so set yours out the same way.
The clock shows 8h49m52s
